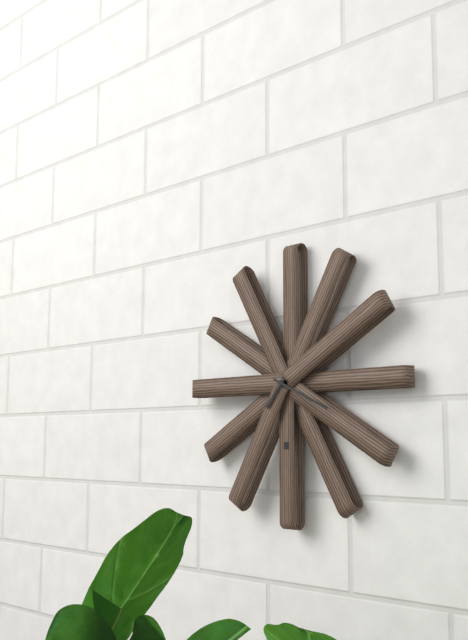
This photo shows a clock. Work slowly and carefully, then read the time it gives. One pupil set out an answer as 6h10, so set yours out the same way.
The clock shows 7h19
